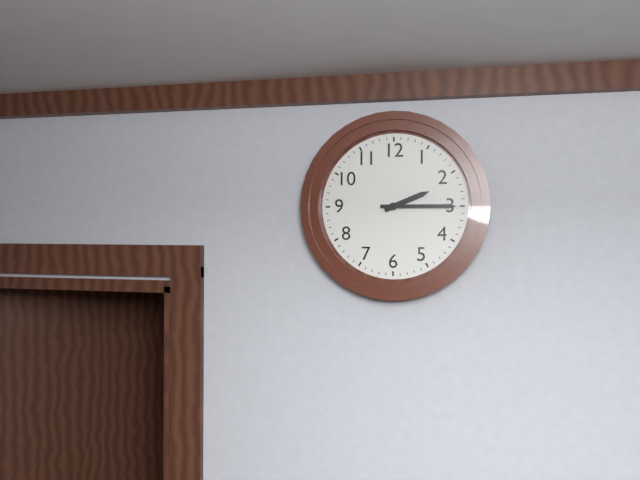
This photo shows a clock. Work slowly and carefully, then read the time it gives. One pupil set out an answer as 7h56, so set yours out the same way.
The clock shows 2h15
